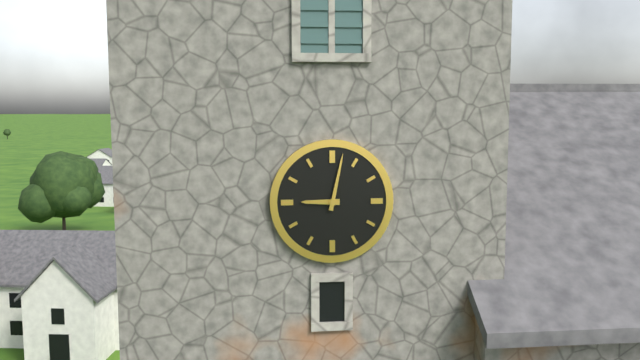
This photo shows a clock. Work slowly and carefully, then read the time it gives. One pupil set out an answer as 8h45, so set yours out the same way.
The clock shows 9h02
